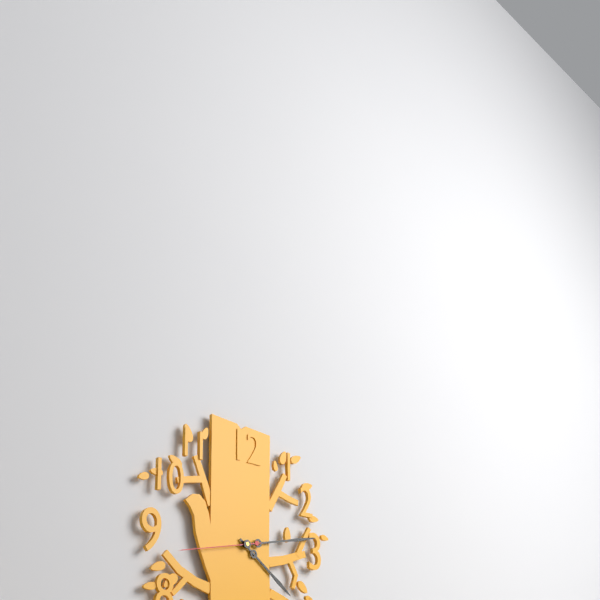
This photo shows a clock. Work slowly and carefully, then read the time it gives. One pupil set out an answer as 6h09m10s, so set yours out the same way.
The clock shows 4h13m43s
